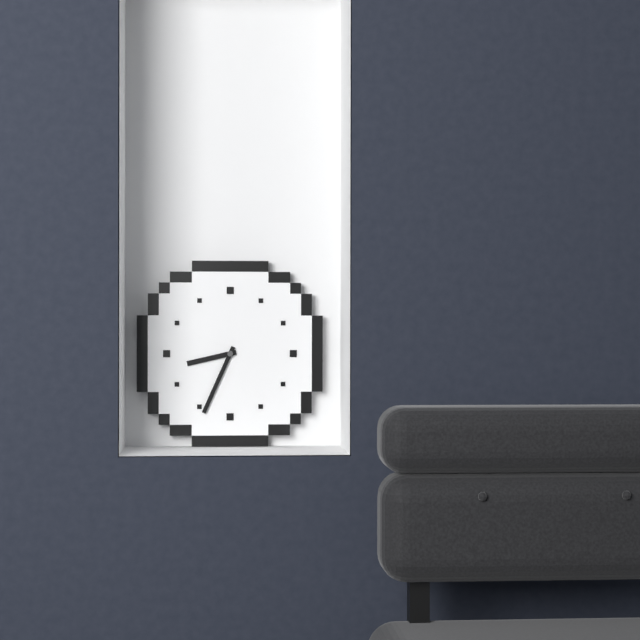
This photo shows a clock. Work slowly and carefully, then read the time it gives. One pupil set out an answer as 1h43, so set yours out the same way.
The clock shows 8h34
